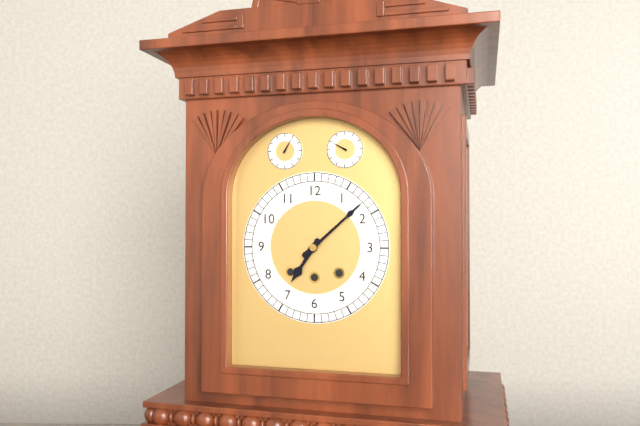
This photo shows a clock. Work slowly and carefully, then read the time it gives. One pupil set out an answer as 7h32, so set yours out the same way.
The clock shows 7h08
